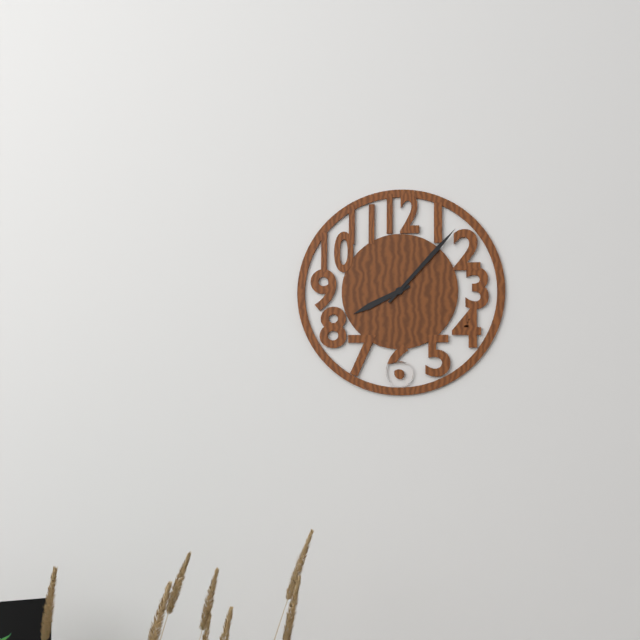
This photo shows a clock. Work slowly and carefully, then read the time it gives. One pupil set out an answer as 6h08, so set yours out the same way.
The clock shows 8h07
